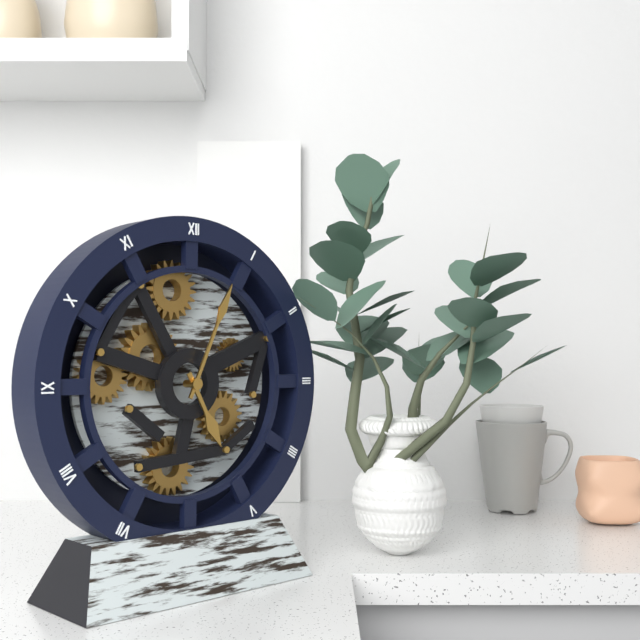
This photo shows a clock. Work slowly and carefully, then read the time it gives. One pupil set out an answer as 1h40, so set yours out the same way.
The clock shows 5h04
